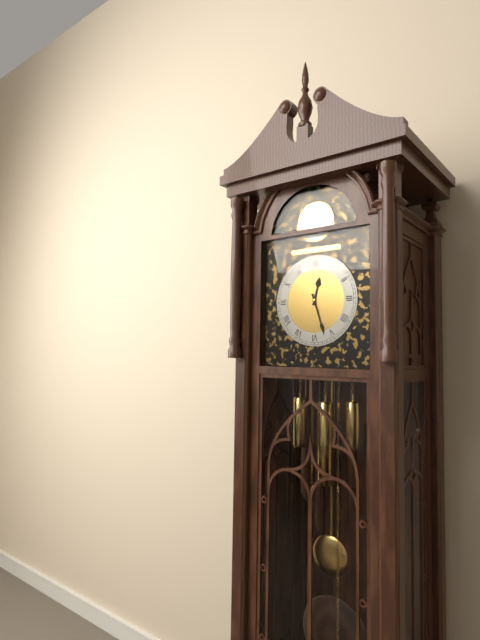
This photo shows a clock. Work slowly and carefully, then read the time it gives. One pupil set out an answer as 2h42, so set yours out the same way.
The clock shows 12h27
